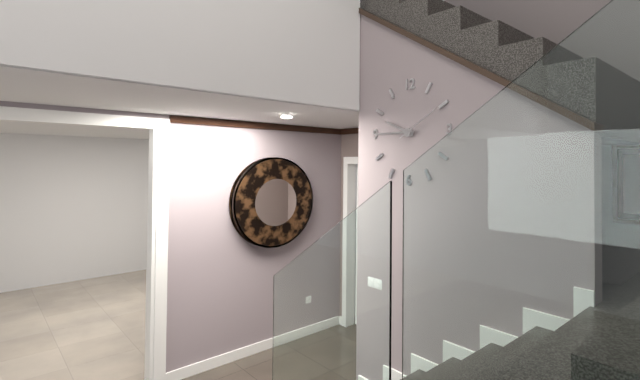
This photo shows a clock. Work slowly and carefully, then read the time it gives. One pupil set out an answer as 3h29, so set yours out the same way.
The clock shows 9h45
